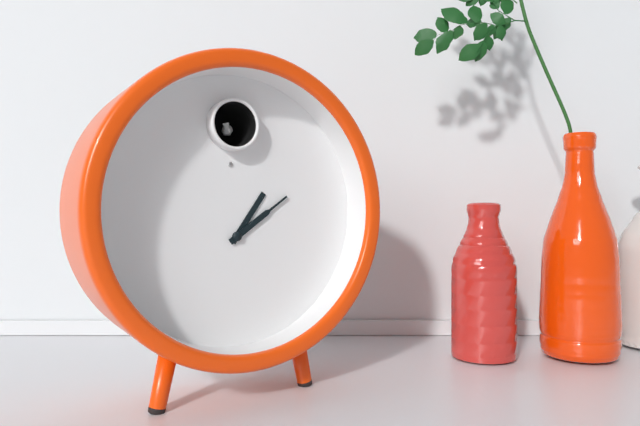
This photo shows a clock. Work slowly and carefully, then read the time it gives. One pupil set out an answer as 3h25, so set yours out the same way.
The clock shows 1h09
